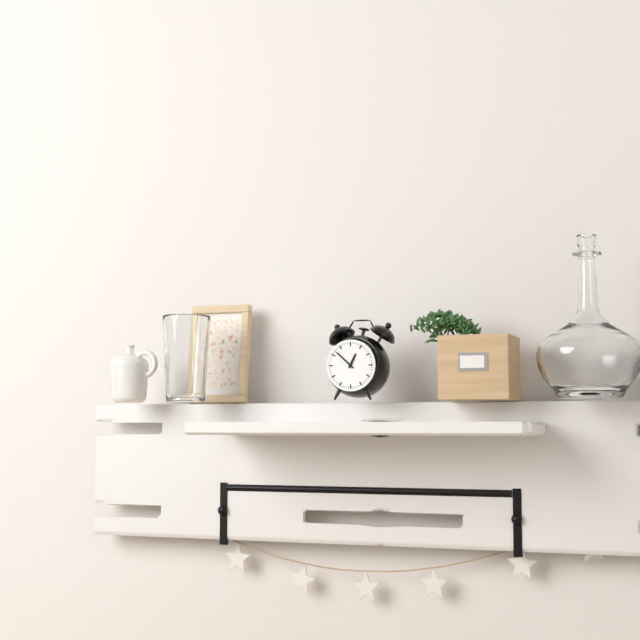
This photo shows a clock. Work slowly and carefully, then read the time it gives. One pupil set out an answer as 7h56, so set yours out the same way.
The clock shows 12h52
